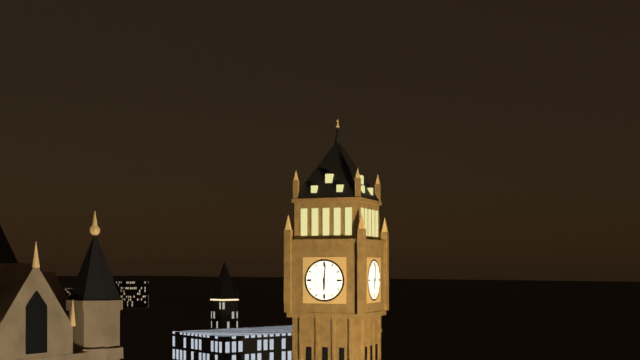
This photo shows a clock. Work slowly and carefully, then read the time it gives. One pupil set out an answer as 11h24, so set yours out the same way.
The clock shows 6h01
